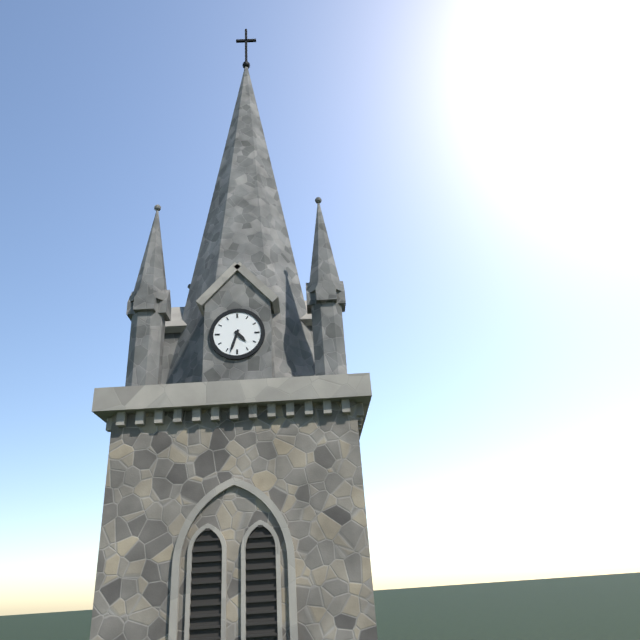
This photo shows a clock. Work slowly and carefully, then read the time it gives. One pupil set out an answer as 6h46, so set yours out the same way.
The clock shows 4h33
